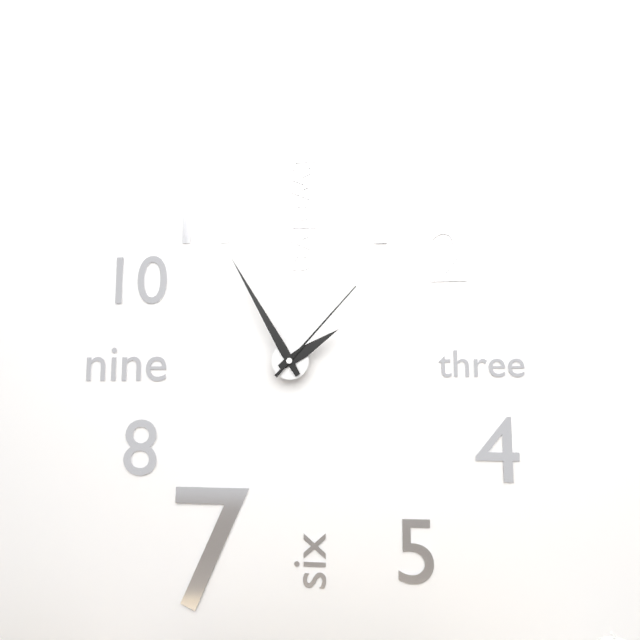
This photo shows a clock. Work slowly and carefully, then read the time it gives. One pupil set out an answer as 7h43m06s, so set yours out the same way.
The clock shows 1h55m07s
